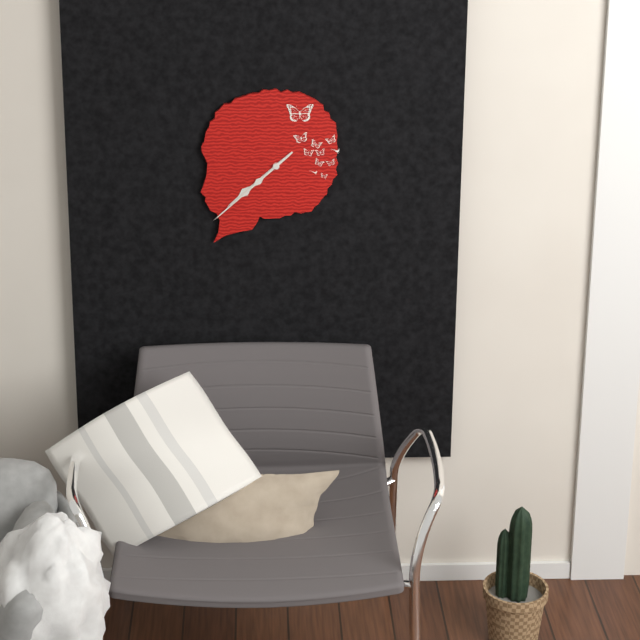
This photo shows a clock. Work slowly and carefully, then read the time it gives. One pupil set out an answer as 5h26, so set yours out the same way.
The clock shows 7h38
